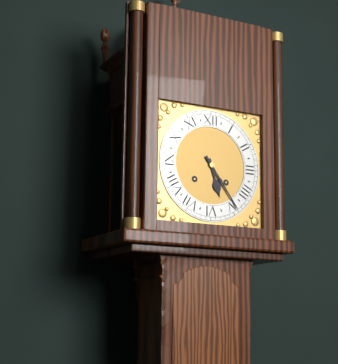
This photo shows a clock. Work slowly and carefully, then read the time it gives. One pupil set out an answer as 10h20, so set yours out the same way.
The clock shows 5h24
